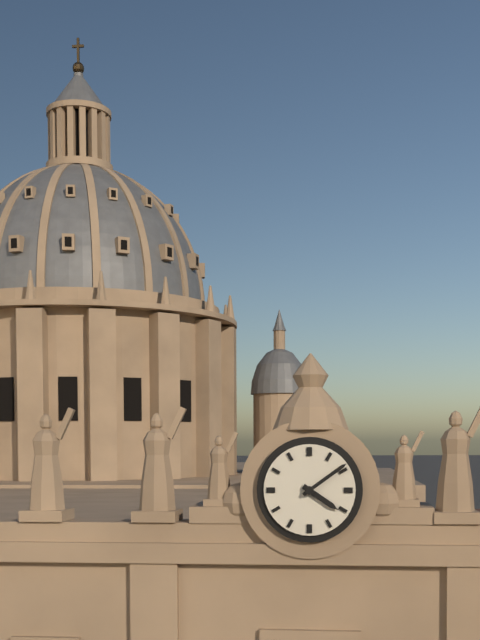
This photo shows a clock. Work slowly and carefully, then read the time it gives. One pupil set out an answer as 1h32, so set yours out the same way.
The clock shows 4h09
